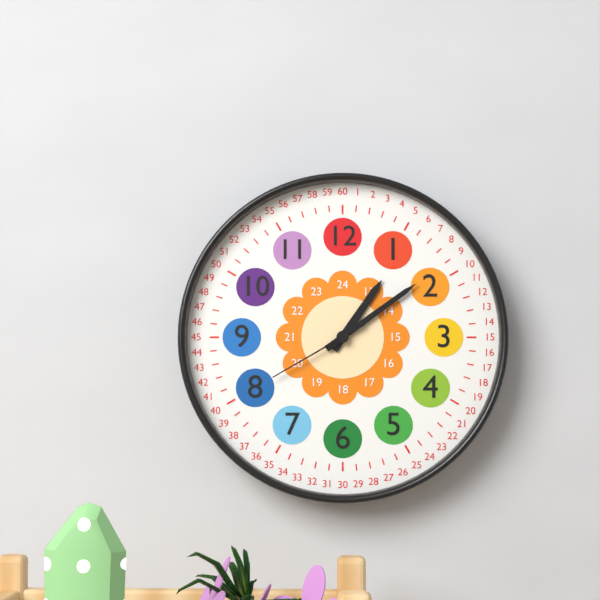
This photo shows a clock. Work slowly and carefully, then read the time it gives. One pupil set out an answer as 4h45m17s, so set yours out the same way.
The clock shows 1h09m40s
